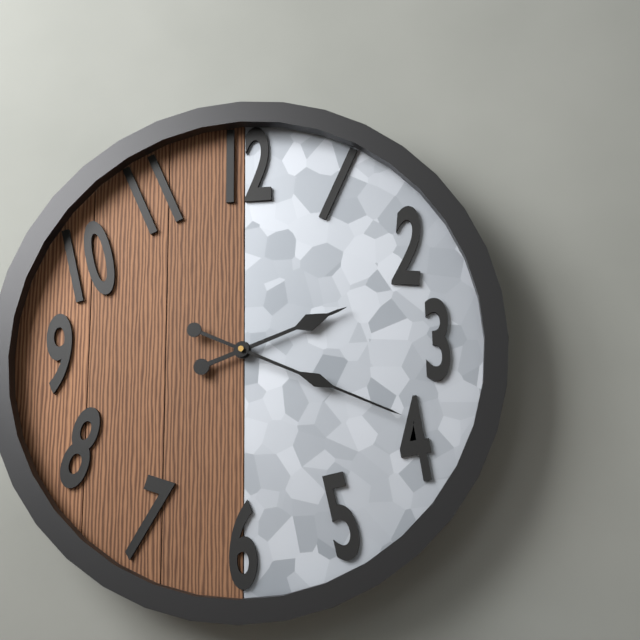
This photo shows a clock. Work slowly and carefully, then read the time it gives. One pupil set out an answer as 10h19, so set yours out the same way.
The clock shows 2h19
